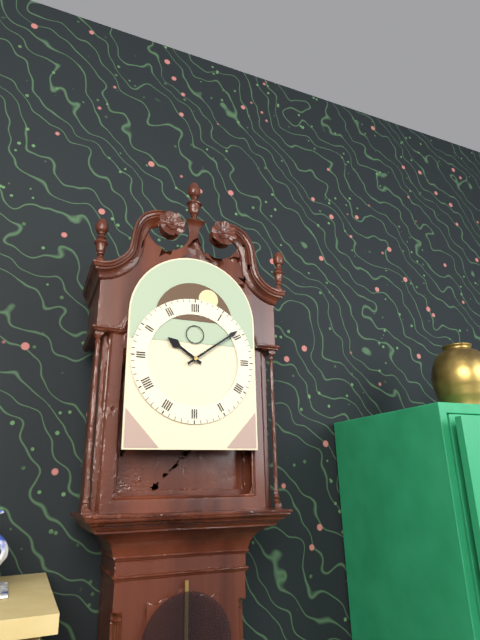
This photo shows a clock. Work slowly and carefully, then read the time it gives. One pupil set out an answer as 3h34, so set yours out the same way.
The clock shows 10h09
